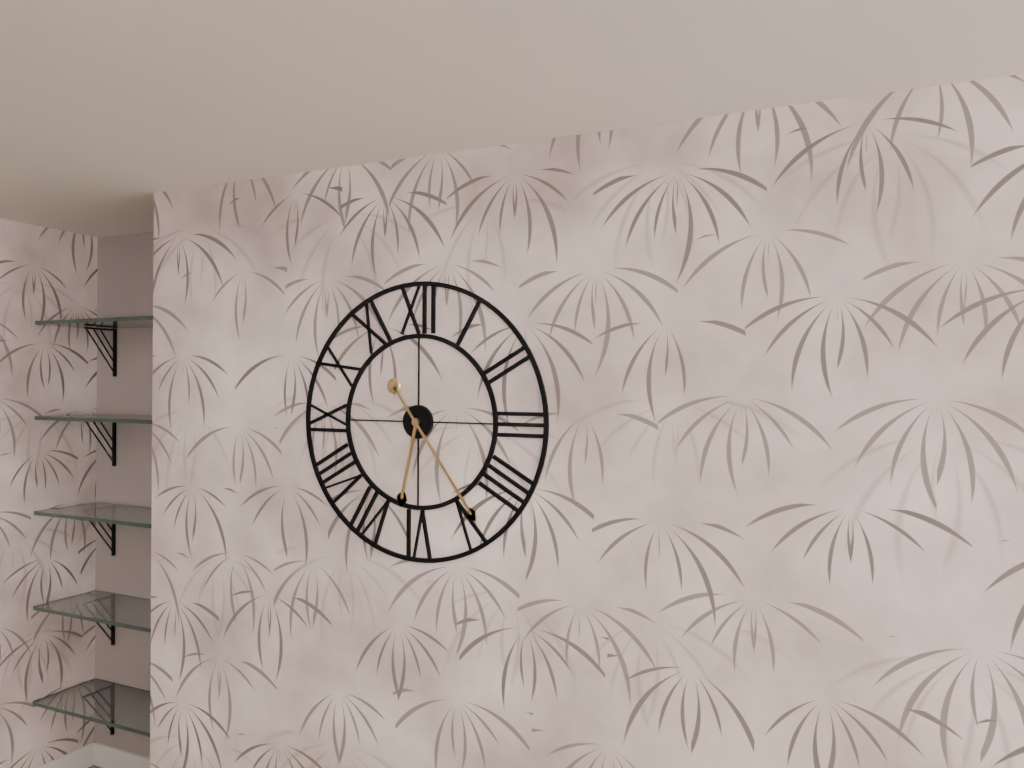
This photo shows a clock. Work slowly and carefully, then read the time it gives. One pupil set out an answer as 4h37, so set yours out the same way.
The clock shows 6h24
